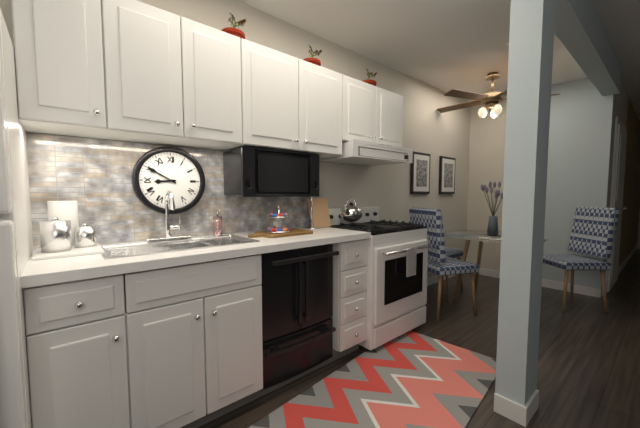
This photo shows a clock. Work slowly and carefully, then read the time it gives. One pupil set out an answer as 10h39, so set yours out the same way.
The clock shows 8h50
